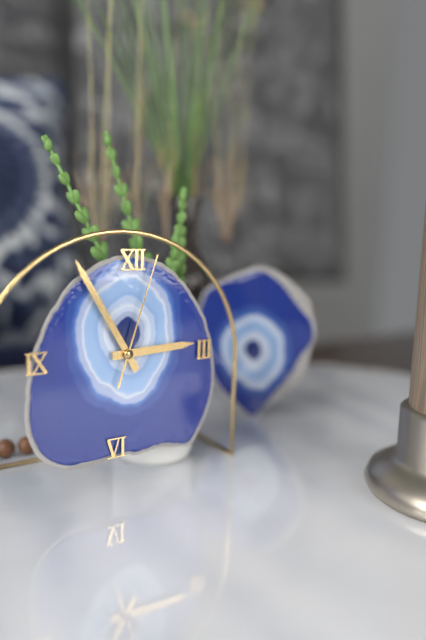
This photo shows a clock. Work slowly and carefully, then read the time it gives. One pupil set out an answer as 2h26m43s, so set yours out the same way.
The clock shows 2h55m03s
